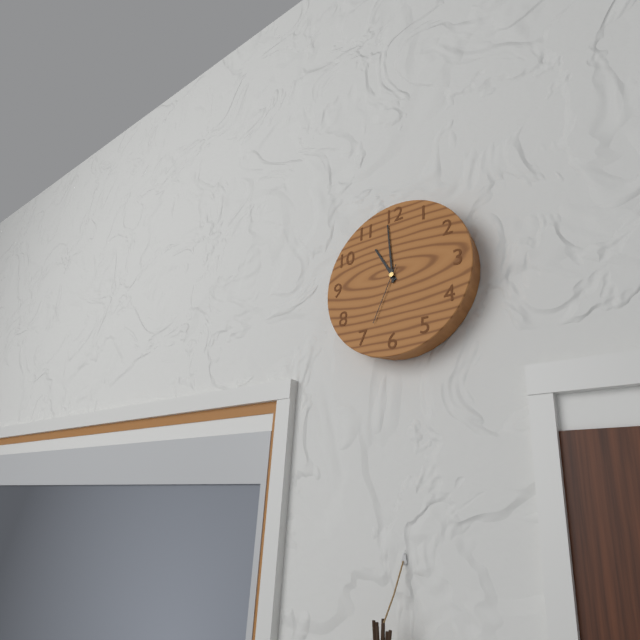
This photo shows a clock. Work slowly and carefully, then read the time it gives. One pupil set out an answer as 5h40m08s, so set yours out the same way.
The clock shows 10h59m34s
